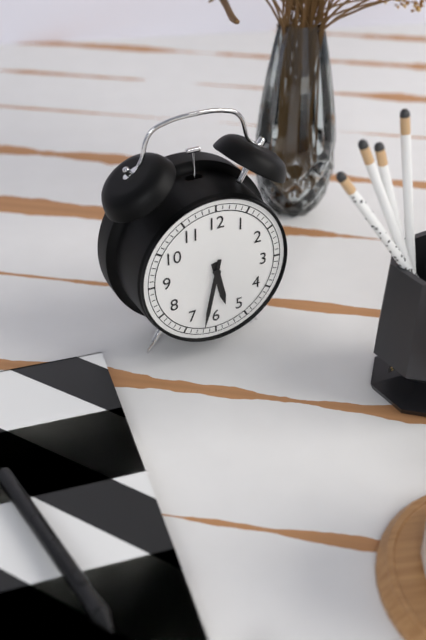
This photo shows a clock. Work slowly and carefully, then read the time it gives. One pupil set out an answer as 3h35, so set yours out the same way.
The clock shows 5h32
